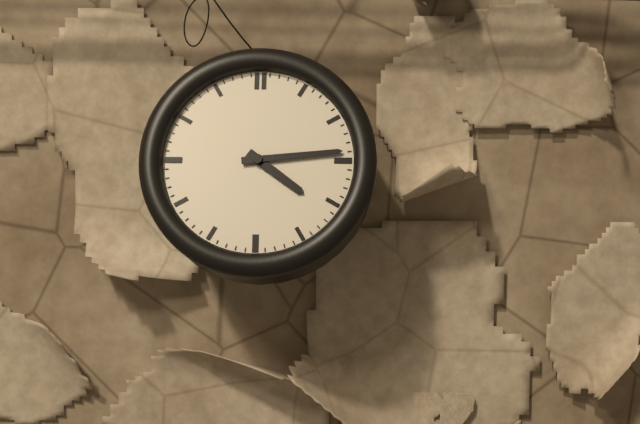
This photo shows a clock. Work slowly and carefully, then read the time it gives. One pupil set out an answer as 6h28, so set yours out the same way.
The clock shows 4h14
